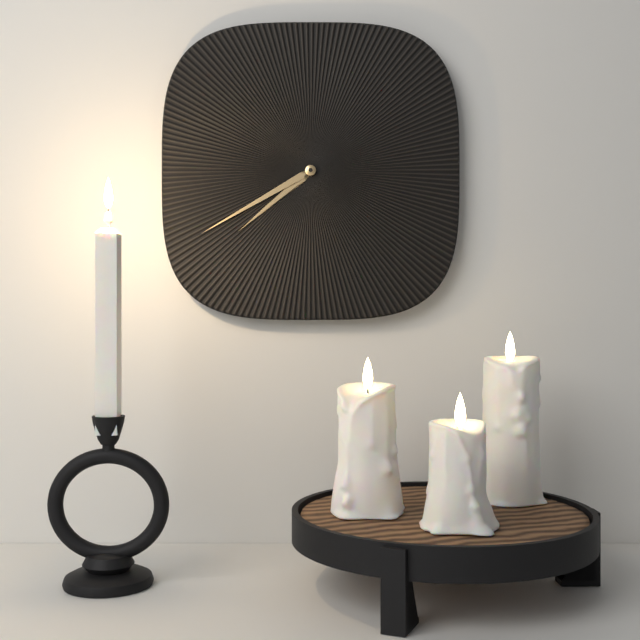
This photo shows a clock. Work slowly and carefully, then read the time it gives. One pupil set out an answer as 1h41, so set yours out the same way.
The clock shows 7h40
